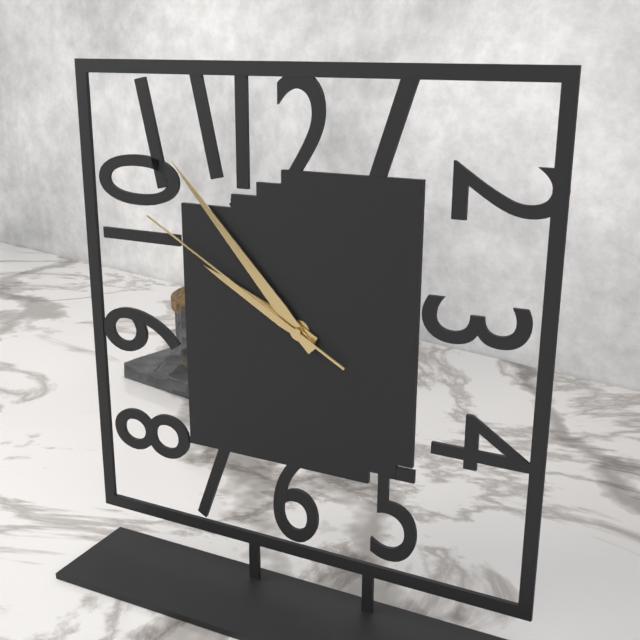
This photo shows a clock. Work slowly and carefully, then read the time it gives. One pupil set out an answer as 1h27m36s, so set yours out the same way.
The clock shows 9h53m50s
